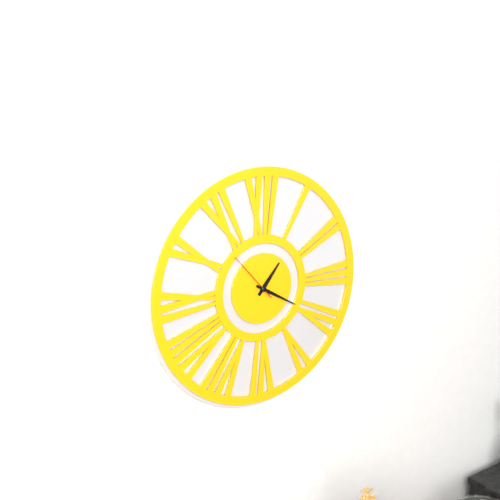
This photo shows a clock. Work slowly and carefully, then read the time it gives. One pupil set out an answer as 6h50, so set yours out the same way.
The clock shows 1h20
